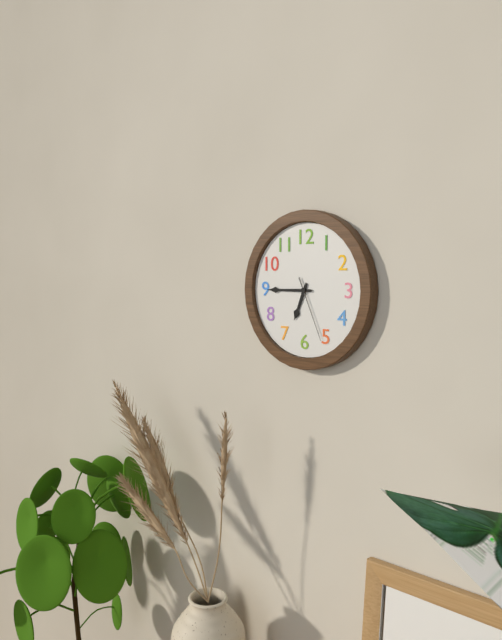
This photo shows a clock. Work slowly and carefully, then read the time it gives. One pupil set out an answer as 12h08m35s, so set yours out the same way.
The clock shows 6h45m26s
